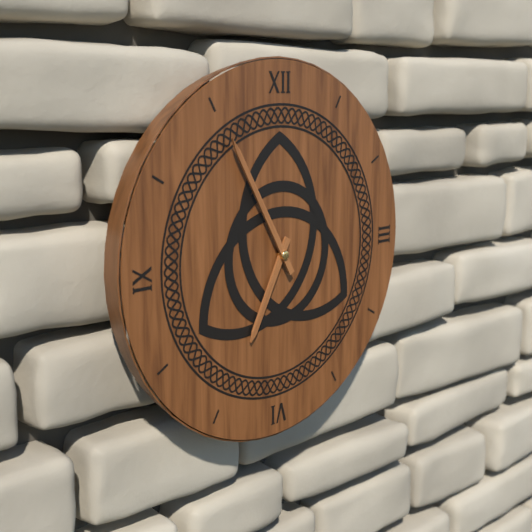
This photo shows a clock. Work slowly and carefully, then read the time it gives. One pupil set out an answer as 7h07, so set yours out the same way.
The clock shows 6h55
